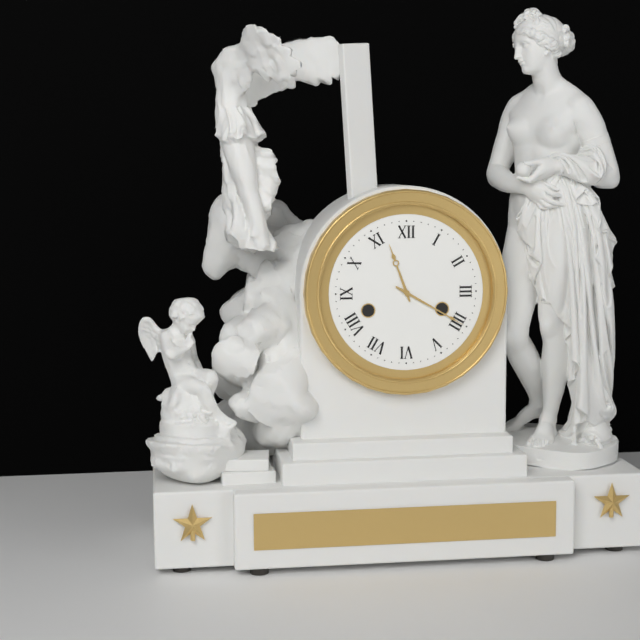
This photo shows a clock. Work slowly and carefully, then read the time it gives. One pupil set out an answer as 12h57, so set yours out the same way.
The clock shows 11h20
